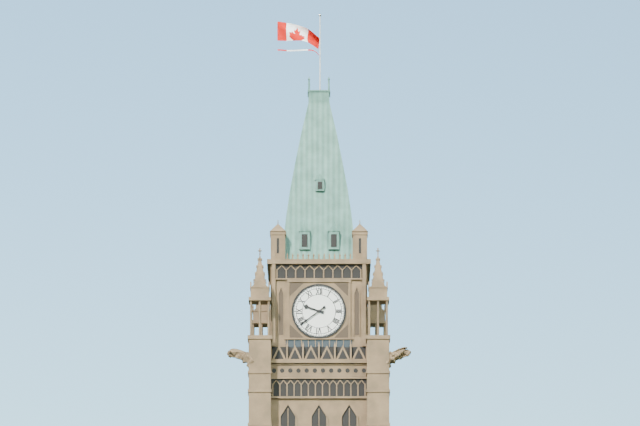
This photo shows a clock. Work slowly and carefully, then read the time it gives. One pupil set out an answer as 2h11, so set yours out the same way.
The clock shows 9h39
